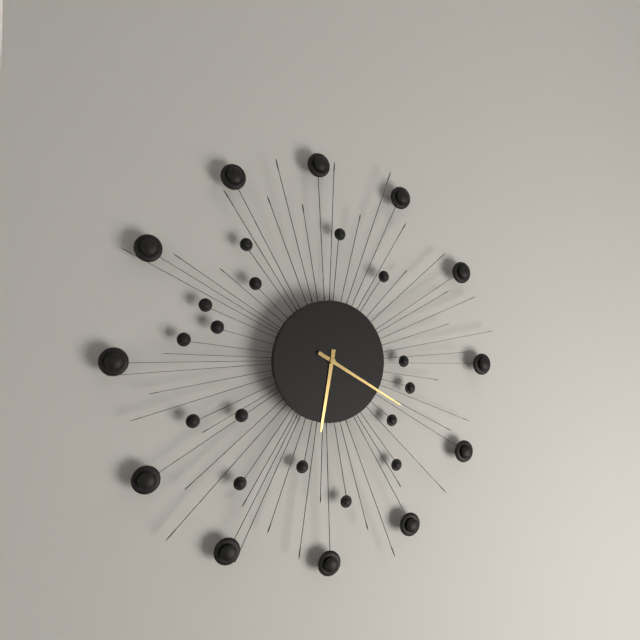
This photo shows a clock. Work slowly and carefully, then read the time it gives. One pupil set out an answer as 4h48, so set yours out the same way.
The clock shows 6h20
